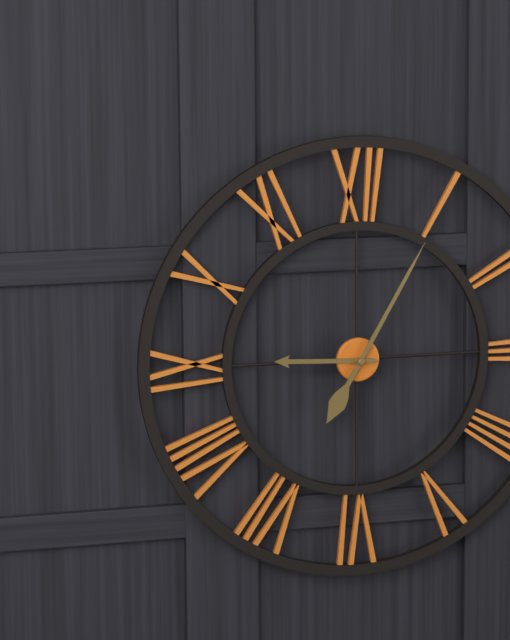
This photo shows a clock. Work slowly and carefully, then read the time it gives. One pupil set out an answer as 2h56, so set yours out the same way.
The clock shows 9h05
